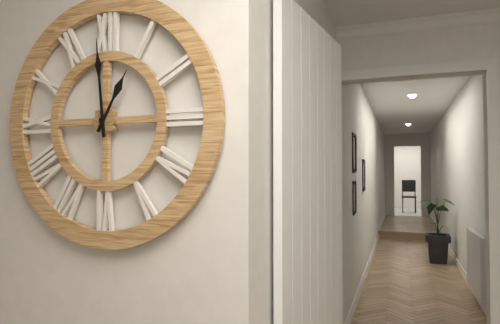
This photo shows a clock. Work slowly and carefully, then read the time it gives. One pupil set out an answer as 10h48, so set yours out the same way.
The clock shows 12h59
